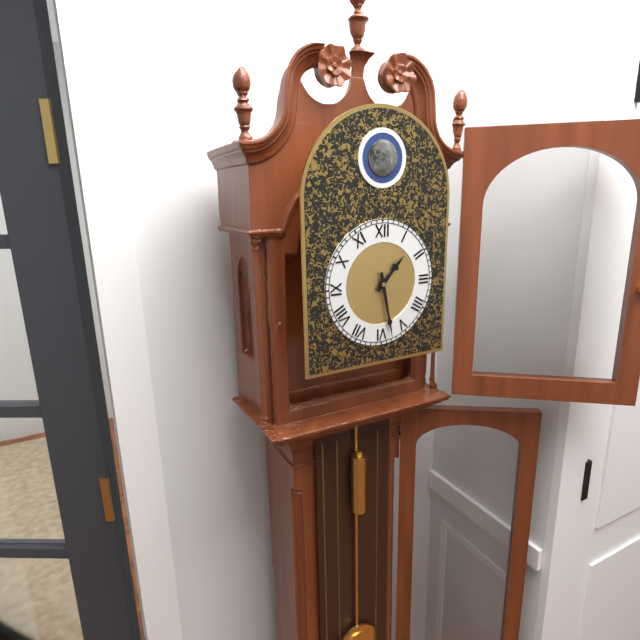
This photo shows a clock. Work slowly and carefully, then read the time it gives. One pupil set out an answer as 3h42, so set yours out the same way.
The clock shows 1h28
